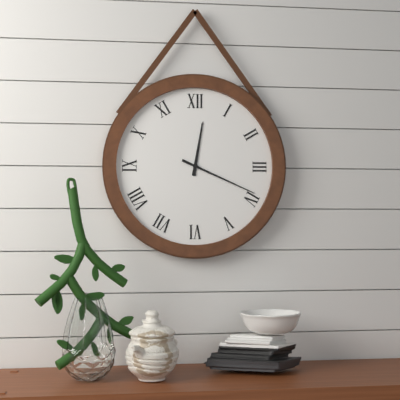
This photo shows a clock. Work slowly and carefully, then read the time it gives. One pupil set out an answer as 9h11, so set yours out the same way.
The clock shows 12h19
